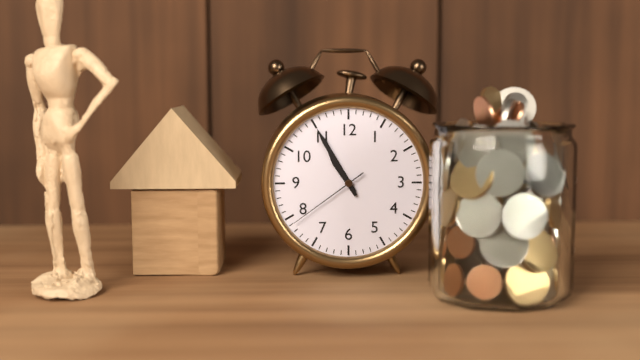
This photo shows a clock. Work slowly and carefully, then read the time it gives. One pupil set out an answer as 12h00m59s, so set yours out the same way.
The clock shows 10h55m39s
